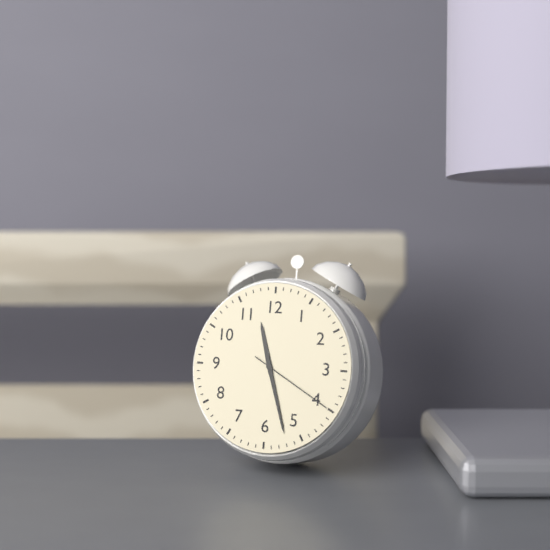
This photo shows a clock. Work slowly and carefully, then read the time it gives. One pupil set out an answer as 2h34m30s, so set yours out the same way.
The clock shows 11h27m20s
